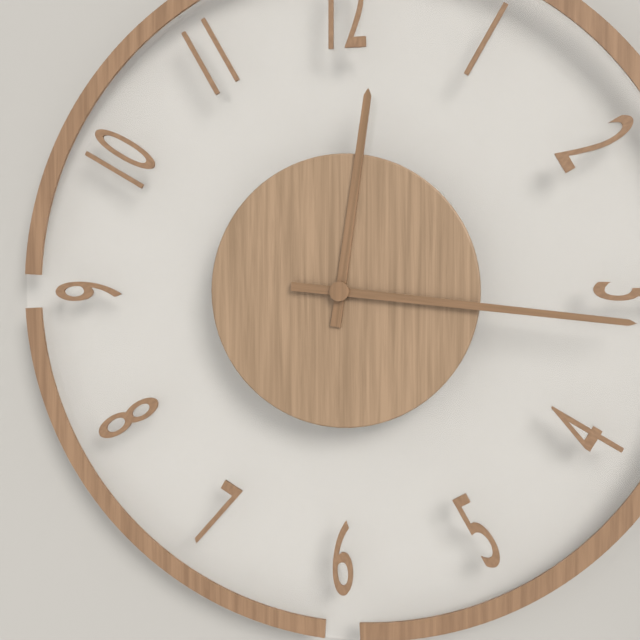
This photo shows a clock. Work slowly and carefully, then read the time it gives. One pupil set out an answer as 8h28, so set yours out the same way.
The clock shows 12h16
